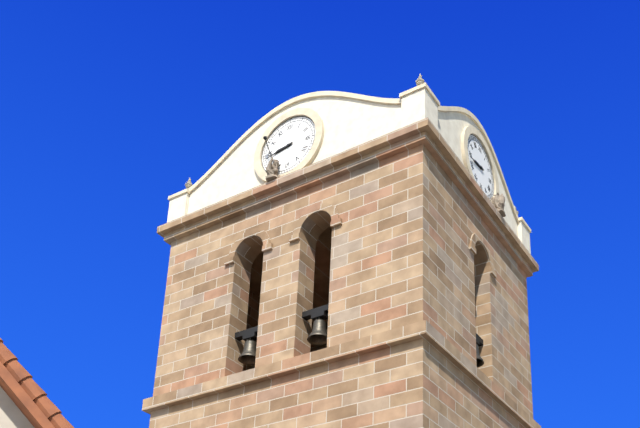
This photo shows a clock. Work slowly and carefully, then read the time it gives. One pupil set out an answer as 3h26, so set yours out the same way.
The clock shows 8h43
